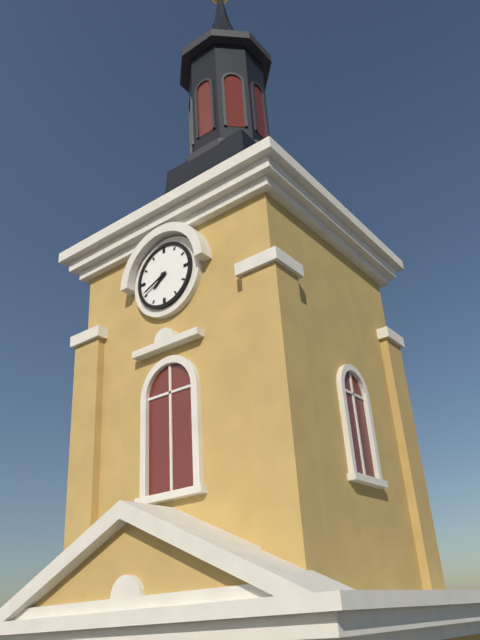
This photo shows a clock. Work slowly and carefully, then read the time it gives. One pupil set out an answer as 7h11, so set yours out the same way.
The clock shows 7h41
